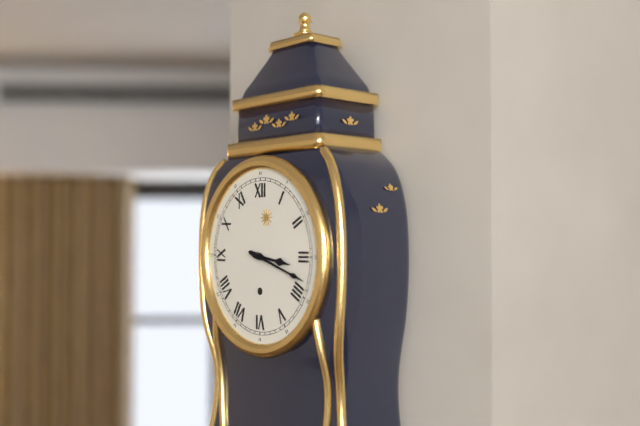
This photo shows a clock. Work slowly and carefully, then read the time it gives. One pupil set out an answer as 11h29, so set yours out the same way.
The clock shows 3h18
